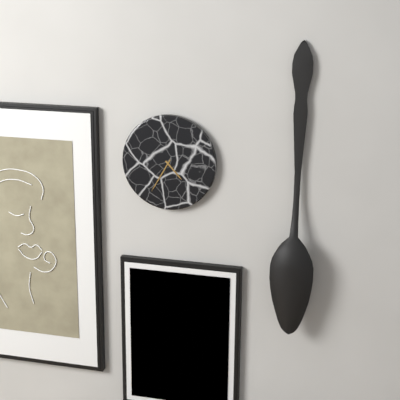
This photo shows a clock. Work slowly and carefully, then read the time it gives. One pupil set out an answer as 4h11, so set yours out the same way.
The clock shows 4h35
